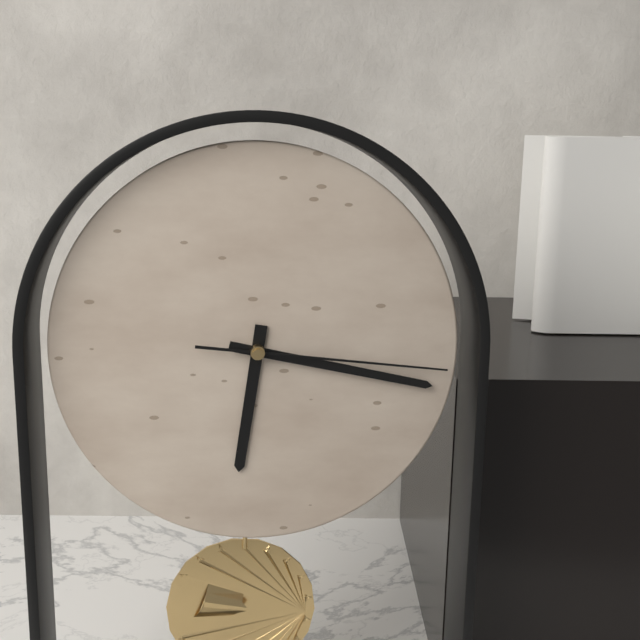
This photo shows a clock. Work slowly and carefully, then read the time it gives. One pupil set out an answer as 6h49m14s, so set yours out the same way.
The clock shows 6h17m16s
